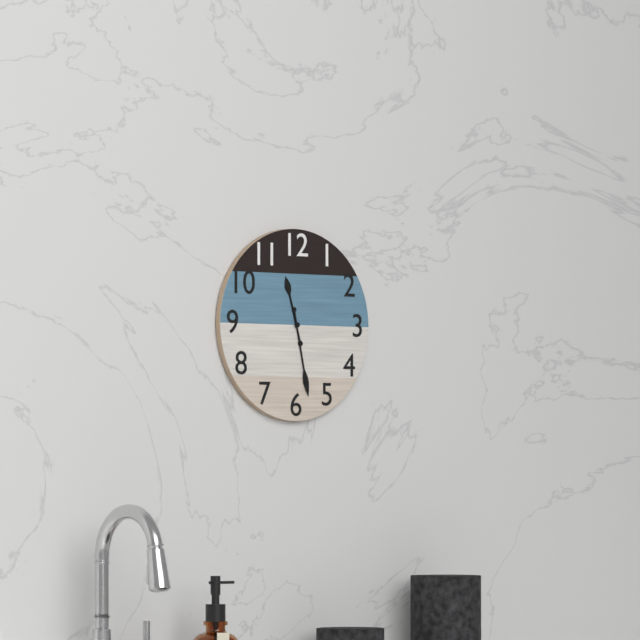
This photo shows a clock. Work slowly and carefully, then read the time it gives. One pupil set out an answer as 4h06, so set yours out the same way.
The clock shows 11h28
